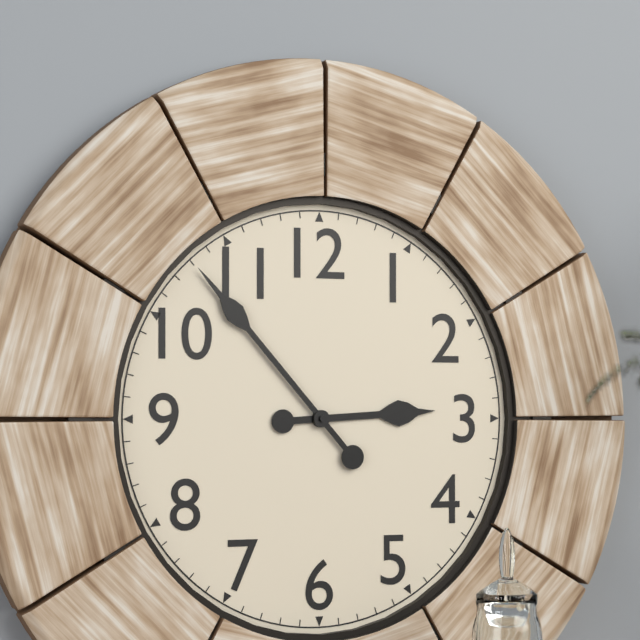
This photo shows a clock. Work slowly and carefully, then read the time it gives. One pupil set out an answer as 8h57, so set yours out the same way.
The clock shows 2h53
